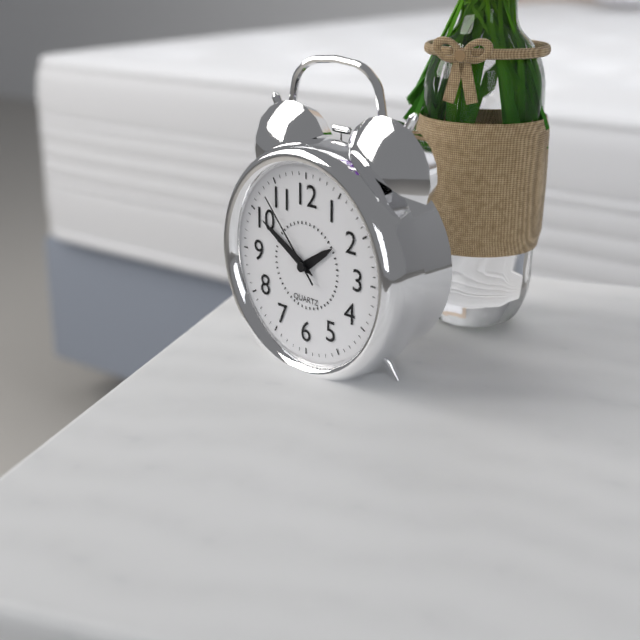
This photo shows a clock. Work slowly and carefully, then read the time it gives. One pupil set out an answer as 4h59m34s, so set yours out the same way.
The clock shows 1h50m53s
